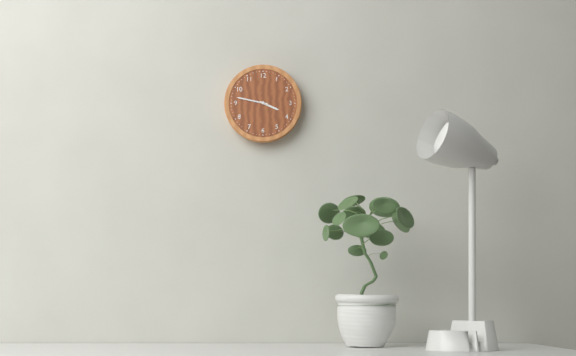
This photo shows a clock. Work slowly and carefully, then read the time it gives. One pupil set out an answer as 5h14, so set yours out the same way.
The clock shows 3h47
